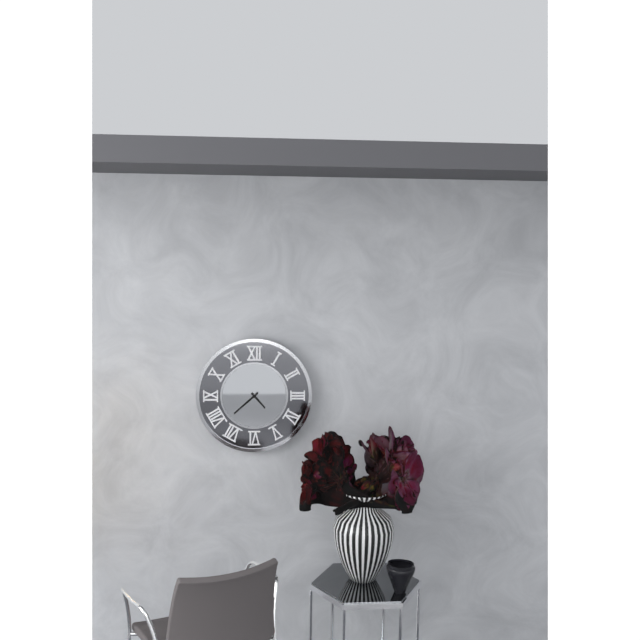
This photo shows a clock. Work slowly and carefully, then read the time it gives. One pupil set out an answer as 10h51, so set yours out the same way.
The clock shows 4h38
